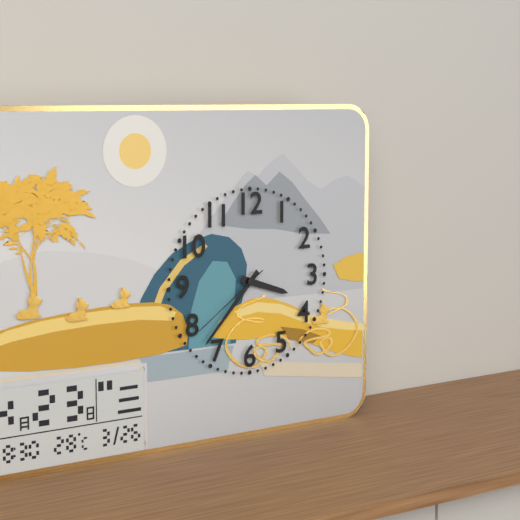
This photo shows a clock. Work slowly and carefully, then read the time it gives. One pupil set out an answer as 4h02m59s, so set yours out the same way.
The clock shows 3h37m39s
